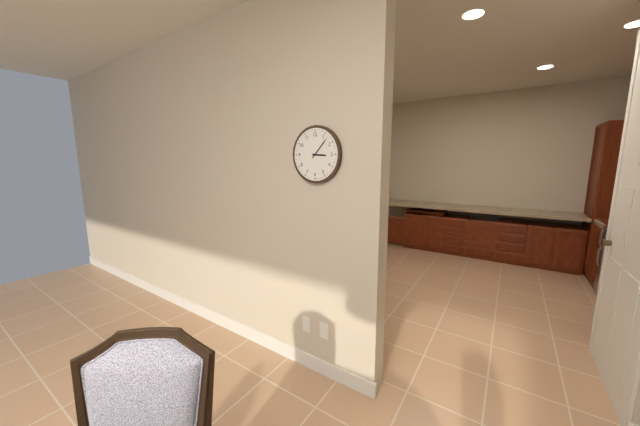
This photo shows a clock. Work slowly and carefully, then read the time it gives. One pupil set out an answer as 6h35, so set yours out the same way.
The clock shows 3h07
